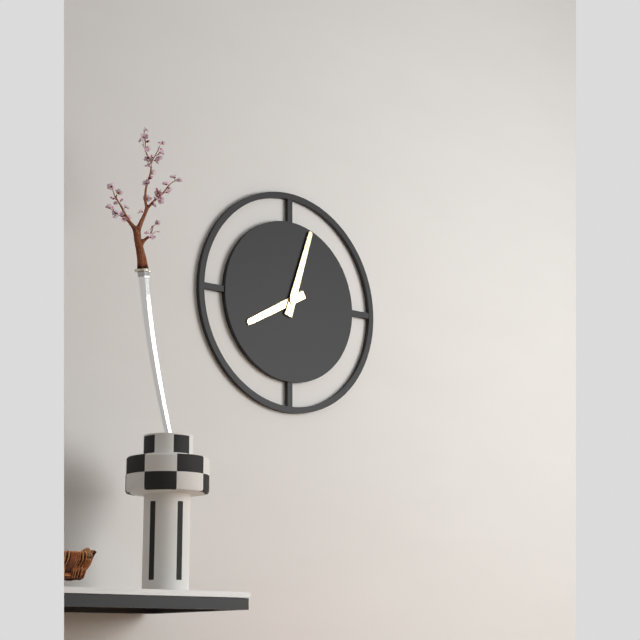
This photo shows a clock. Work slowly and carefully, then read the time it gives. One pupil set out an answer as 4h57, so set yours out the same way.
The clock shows 8h03
